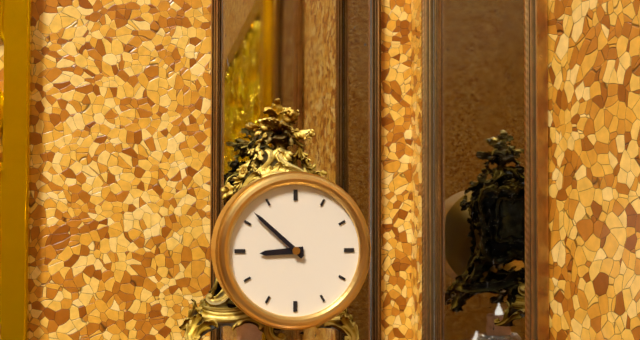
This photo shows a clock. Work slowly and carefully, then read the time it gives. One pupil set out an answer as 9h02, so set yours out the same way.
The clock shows 8h52
